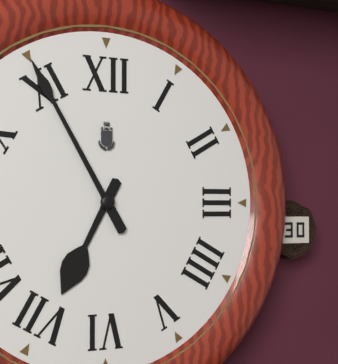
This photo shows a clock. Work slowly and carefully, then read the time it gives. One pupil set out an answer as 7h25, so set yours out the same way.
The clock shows 6h55
